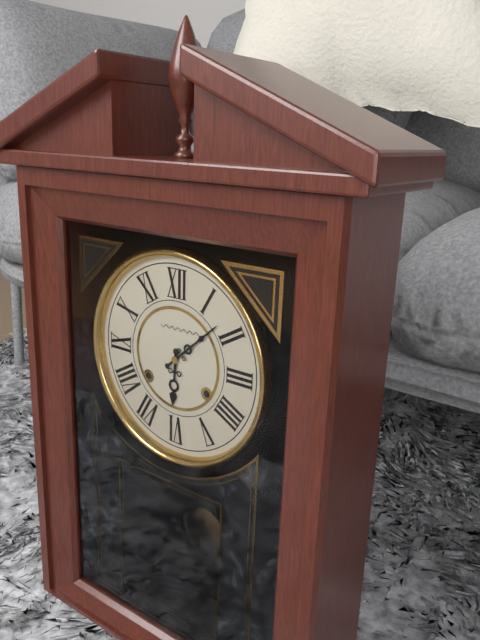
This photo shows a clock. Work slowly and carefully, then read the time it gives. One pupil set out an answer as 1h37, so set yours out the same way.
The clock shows 6h08
